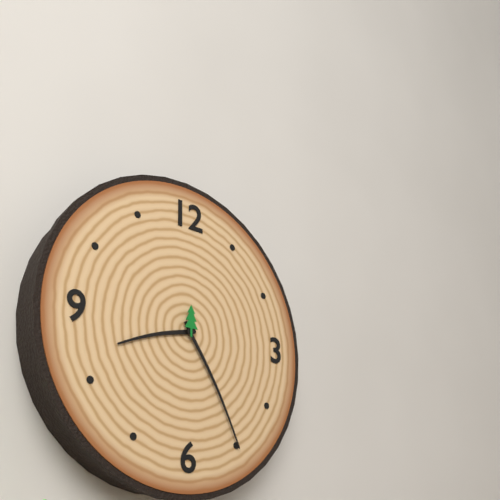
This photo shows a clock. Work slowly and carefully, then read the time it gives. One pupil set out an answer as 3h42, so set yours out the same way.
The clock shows 8h25
